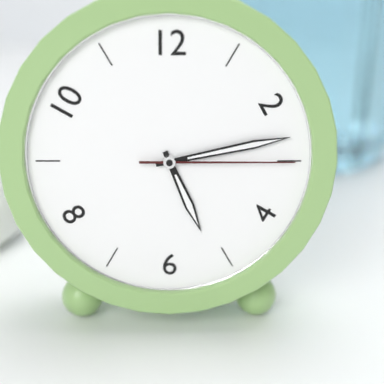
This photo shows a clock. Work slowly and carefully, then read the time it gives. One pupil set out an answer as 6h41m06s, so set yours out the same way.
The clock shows 5h13m15s
